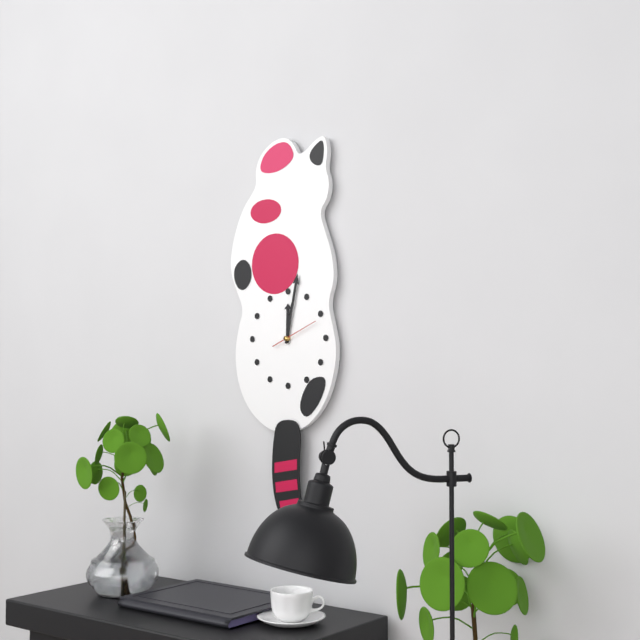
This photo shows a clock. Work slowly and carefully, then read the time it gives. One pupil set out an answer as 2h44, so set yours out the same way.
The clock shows 12h02
